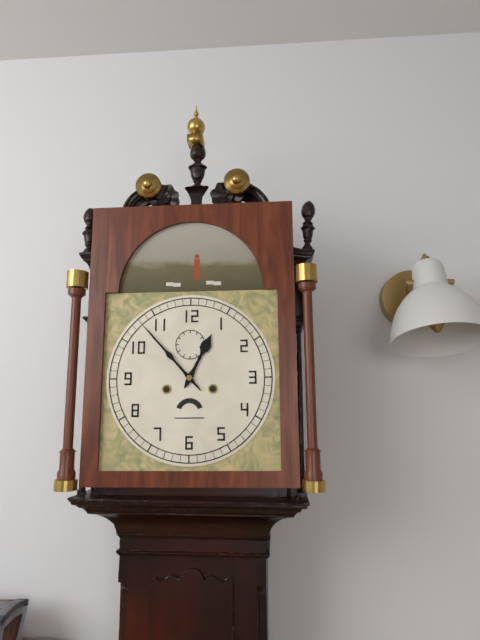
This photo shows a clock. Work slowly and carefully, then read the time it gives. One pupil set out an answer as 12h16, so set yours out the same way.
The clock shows 12h53
